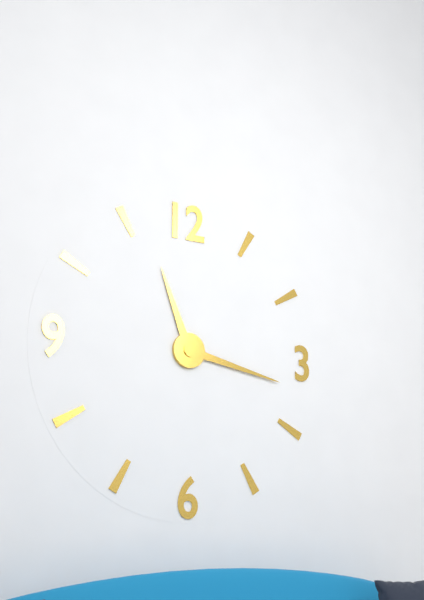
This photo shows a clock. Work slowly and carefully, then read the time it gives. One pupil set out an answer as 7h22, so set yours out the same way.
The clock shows 11h17
